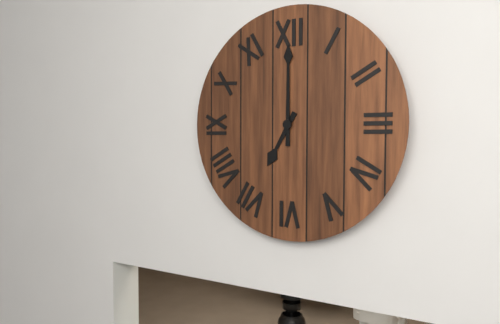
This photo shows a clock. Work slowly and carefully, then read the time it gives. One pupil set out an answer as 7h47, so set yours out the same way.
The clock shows 7h00
